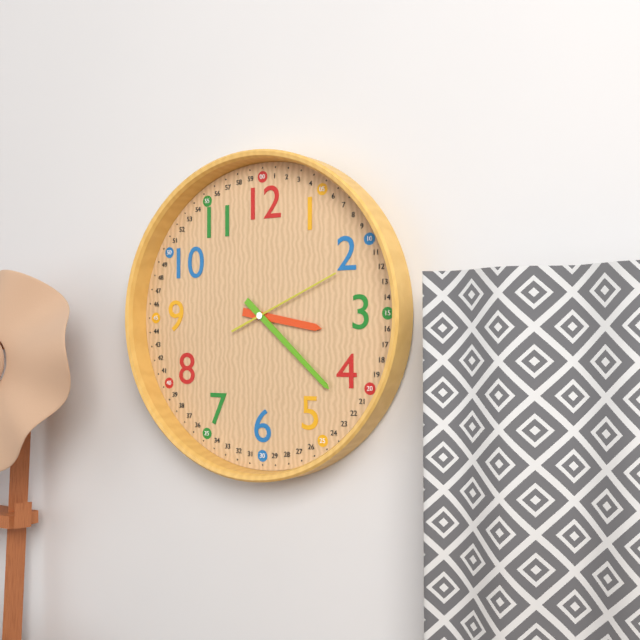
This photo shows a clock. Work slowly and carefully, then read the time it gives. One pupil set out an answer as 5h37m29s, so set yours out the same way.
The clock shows 3h22m11s
